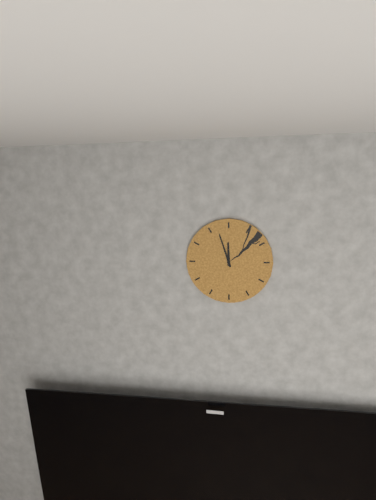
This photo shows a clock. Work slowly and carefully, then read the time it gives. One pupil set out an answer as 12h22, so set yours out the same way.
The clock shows 11h57
